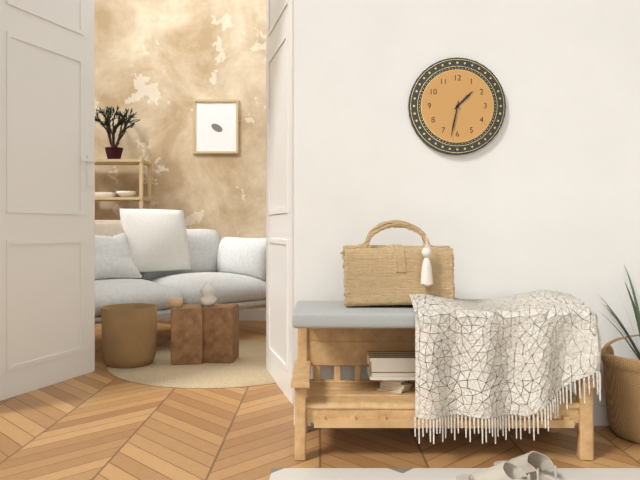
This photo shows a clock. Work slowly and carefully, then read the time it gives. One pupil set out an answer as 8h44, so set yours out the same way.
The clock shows 1h32
